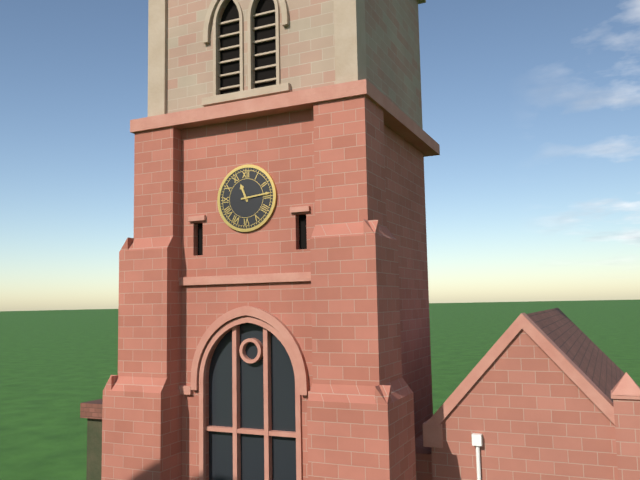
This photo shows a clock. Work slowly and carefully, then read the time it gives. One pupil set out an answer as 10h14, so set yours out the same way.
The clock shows 11h14
